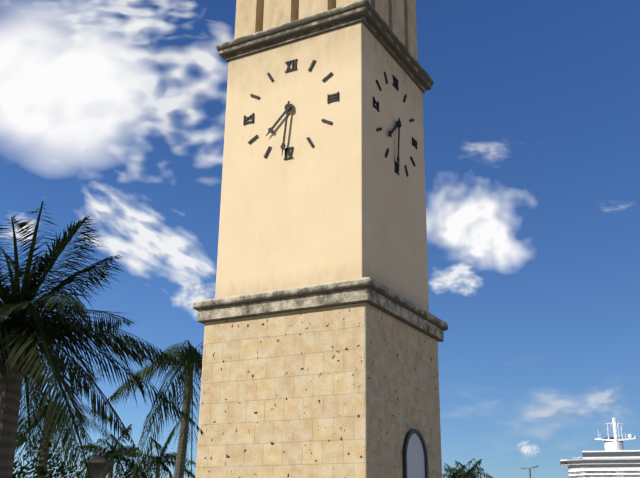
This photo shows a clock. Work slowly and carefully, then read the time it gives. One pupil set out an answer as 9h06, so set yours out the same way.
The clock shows 7h31
